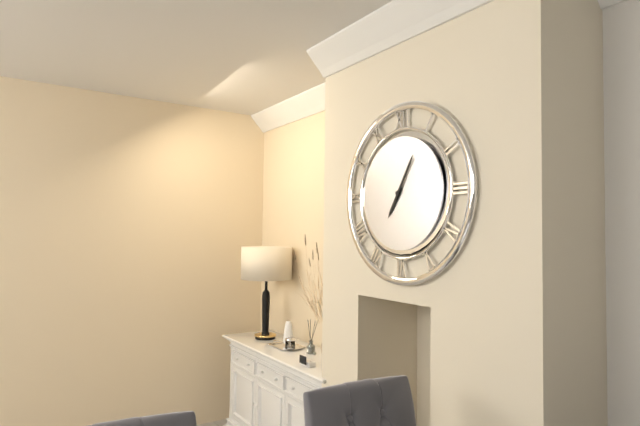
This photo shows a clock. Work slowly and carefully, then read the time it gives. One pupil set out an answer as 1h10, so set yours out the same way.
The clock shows 7h05
